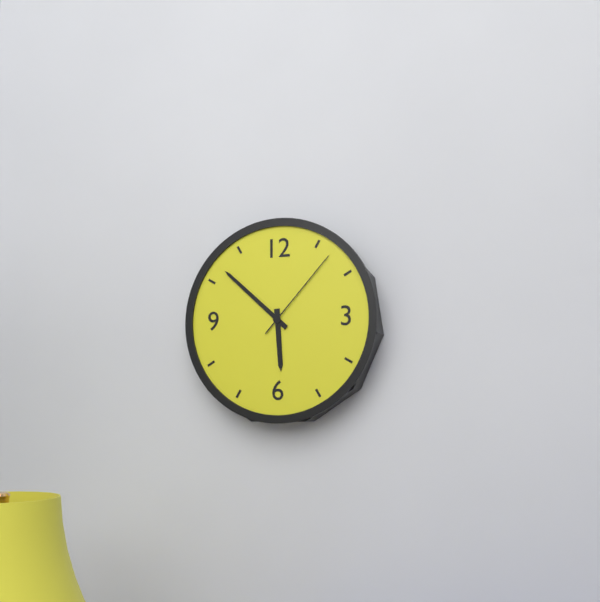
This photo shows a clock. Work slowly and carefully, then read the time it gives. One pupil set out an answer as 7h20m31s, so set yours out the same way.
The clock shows 5h52m07s
